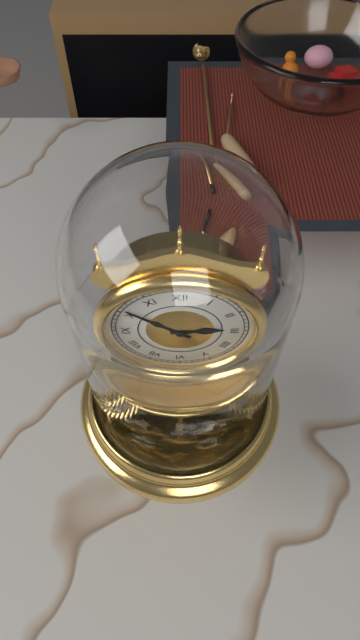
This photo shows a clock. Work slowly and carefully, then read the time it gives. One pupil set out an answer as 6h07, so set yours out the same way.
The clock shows 2h51
